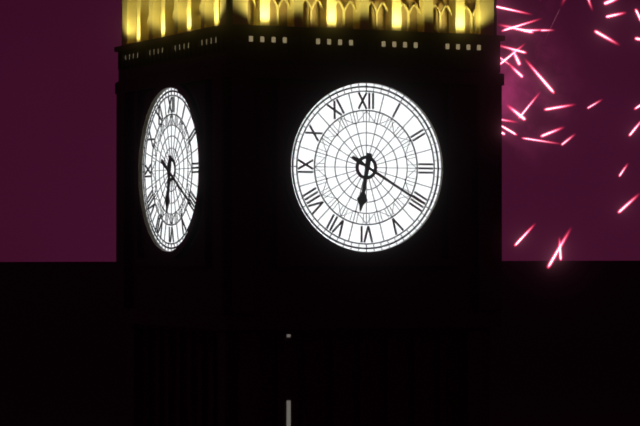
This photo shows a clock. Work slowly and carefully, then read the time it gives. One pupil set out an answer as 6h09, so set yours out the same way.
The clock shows 6h20
